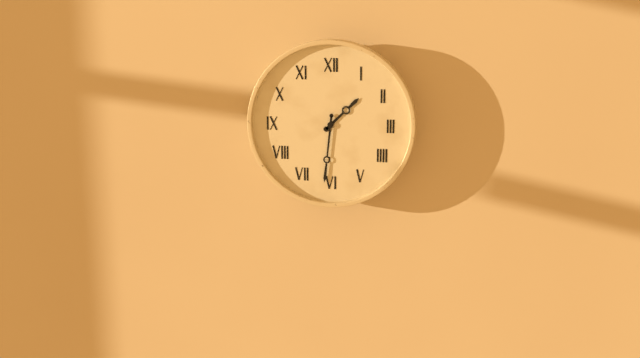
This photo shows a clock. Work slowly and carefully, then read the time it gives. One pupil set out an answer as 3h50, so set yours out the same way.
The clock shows 1h31
